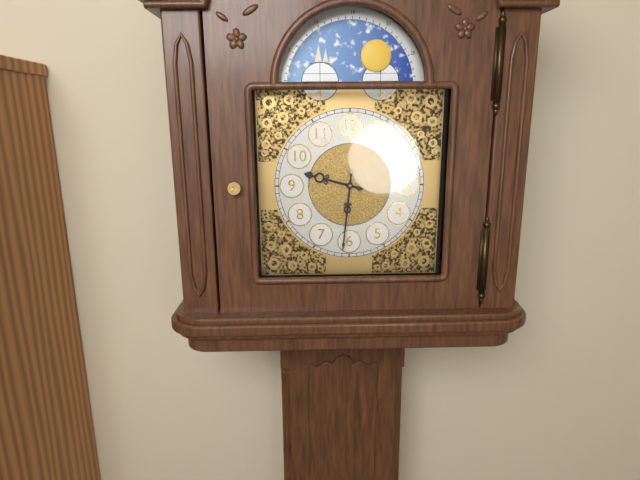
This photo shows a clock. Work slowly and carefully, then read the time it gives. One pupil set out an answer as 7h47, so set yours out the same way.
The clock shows 9h31
